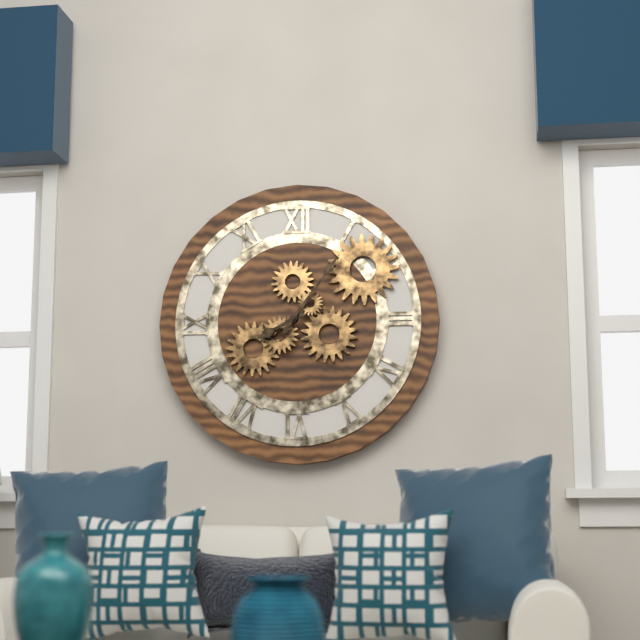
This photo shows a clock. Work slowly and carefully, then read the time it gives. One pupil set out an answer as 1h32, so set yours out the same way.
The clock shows 8h06
